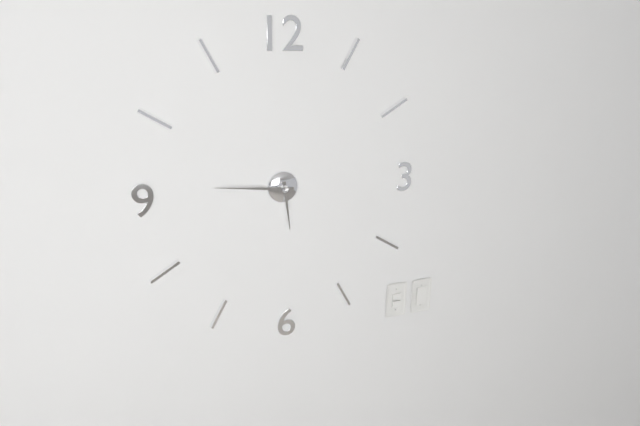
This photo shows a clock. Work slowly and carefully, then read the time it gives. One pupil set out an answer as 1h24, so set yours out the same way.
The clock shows 5h46
